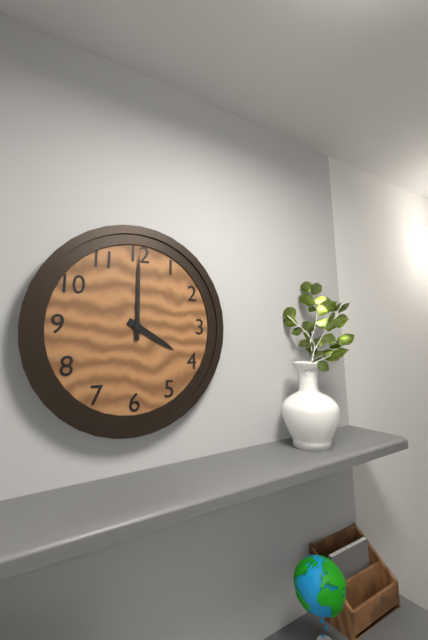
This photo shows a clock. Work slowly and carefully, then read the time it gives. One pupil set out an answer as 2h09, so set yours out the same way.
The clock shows 4h00
